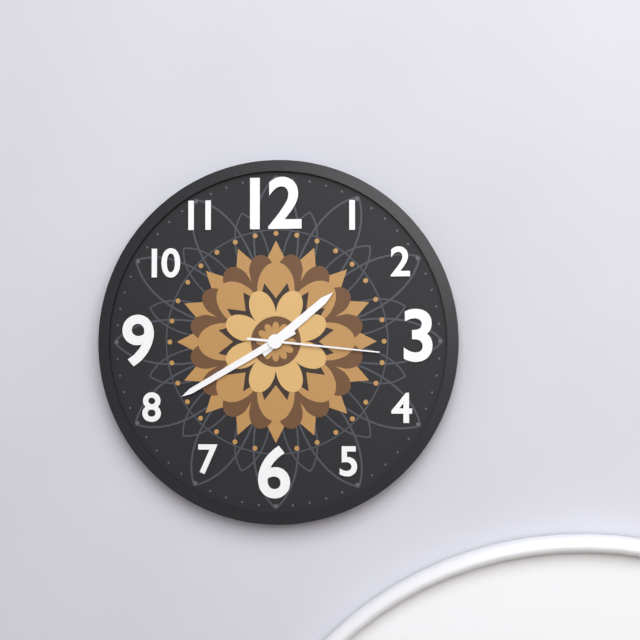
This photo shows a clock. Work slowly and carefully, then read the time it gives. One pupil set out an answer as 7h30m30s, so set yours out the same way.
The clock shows 1h40m16s
